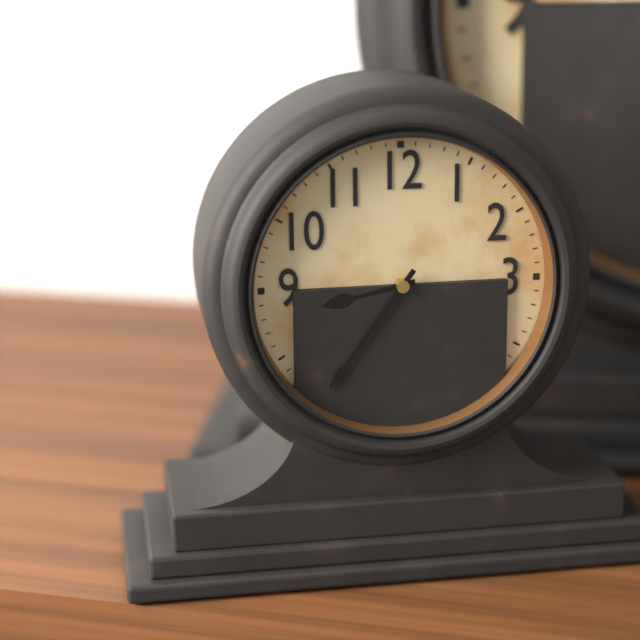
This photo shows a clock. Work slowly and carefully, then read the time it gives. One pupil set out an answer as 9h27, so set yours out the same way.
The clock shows 8h36
